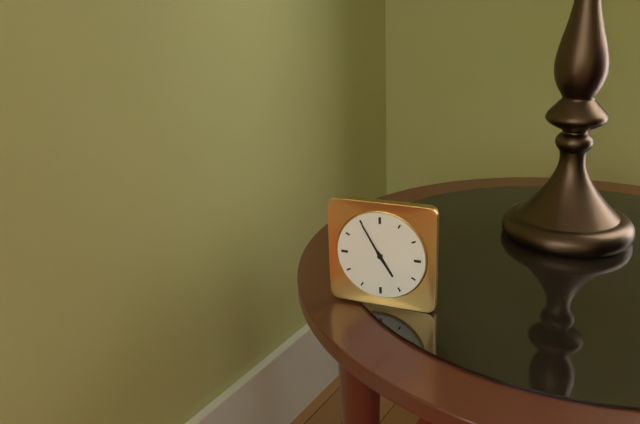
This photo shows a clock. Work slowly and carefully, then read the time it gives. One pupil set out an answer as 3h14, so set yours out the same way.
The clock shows 4h55
